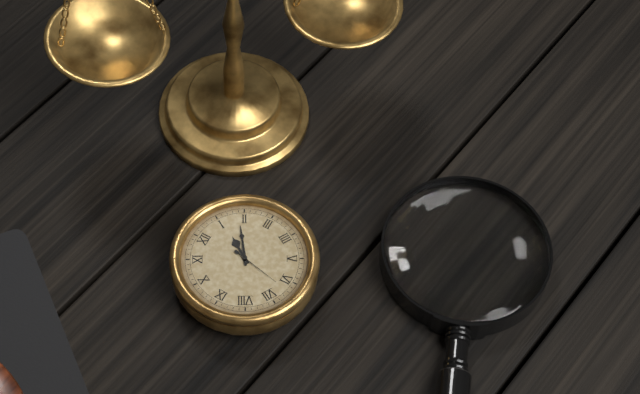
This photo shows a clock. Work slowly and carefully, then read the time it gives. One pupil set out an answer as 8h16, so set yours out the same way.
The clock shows 1h09
